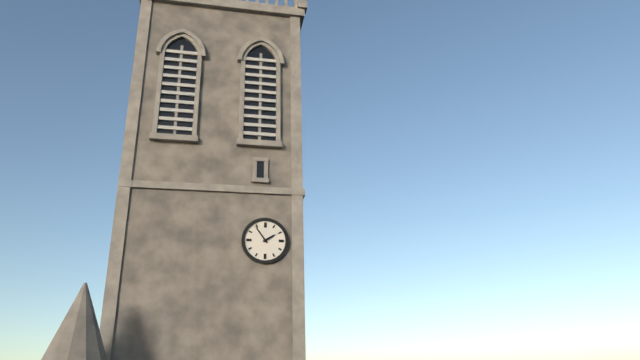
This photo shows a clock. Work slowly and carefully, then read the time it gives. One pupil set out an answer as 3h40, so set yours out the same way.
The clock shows 1h54
